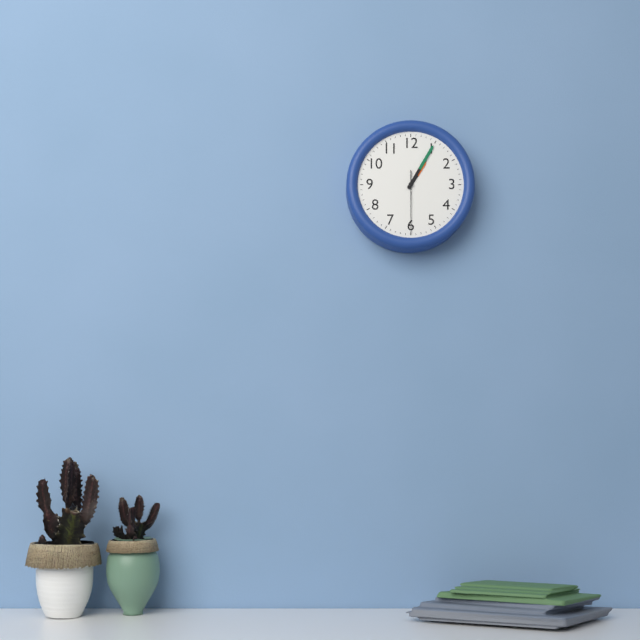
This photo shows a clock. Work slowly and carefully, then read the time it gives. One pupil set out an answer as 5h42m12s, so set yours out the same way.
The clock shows 1h05m30s
